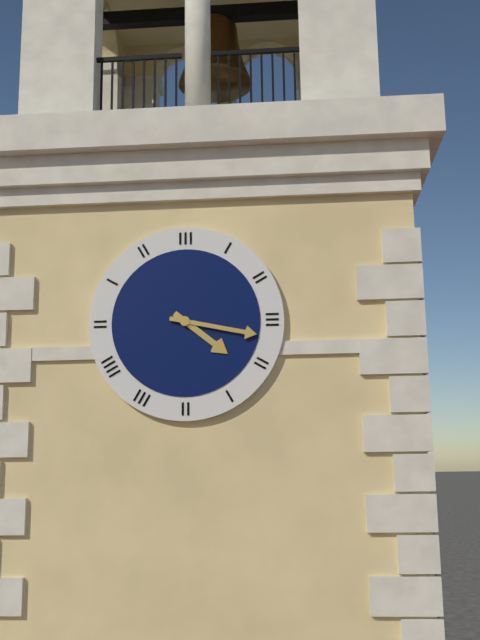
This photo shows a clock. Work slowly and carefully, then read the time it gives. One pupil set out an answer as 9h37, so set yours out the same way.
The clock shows 4h17
